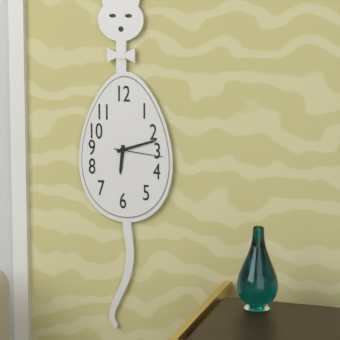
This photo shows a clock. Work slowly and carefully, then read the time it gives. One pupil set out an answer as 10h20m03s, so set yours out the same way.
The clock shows 6h12m16s
